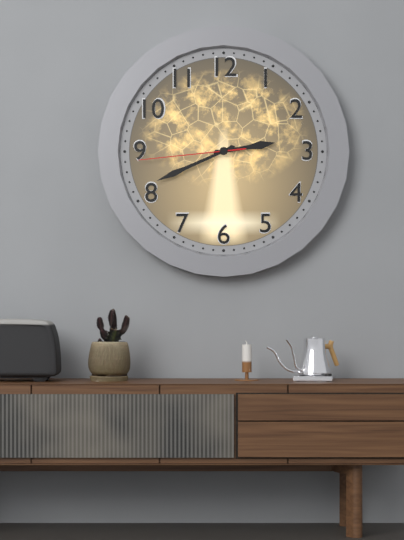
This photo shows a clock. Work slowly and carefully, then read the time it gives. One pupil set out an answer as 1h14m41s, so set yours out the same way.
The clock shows 2h41m44s
